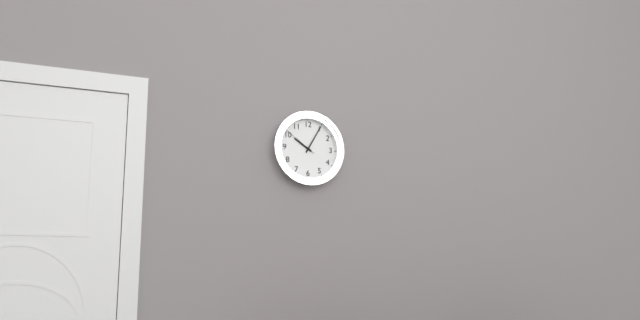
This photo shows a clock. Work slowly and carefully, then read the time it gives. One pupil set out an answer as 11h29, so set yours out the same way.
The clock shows 10h05
